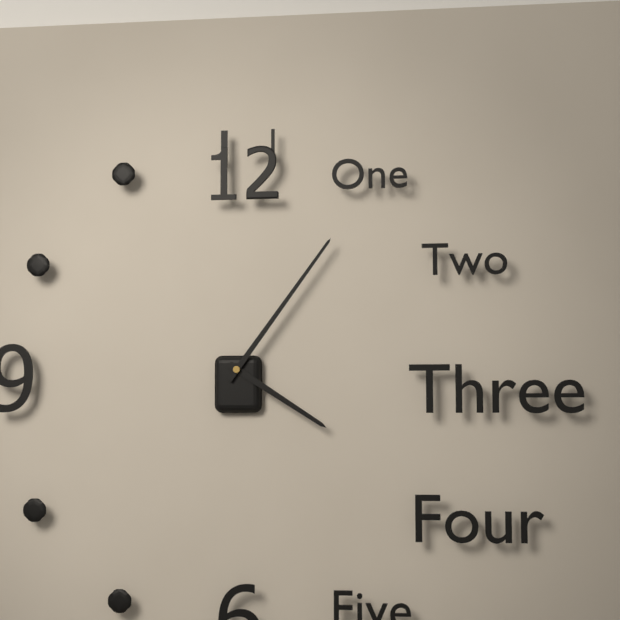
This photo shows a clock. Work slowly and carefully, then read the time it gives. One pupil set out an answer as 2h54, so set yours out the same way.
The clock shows 4h06
